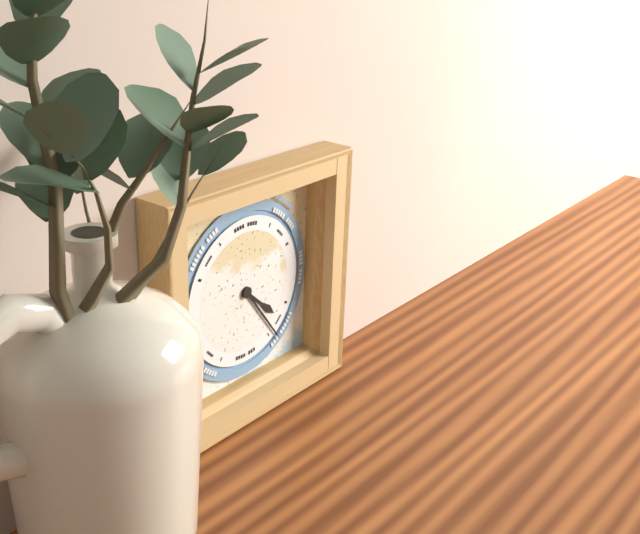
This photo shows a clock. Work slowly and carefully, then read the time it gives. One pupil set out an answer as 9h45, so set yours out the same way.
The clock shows 4h24
